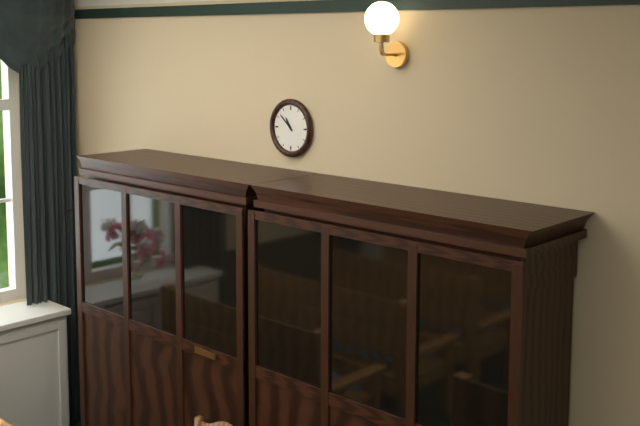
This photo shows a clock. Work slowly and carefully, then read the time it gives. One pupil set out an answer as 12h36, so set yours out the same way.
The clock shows 10h52
